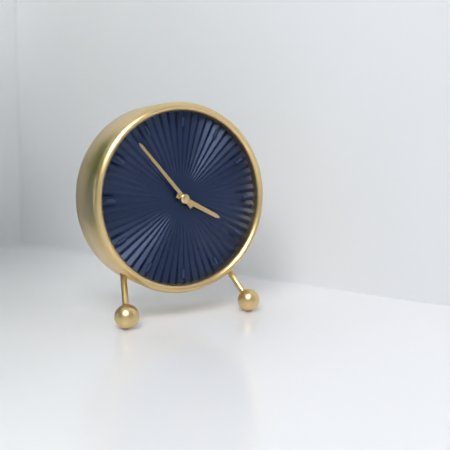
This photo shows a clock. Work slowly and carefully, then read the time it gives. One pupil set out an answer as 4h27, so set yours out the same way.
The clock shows 3h53
